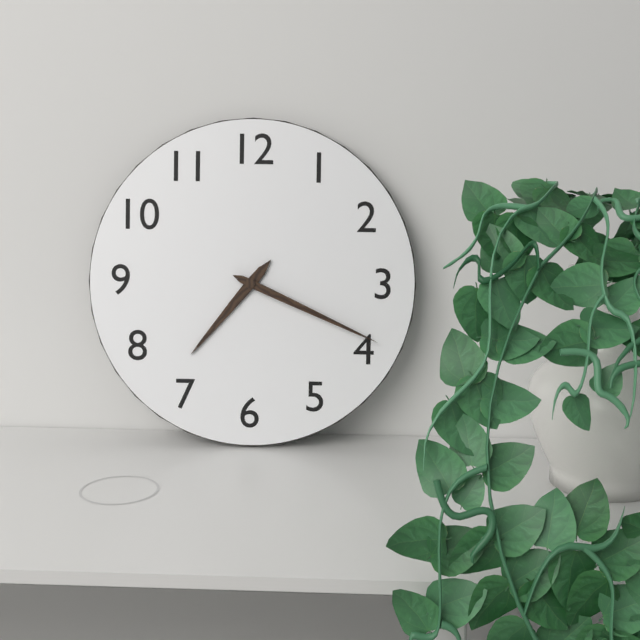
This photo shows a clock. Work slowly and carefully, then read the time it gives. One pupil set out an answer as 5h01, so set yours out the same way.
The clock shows 7h19
